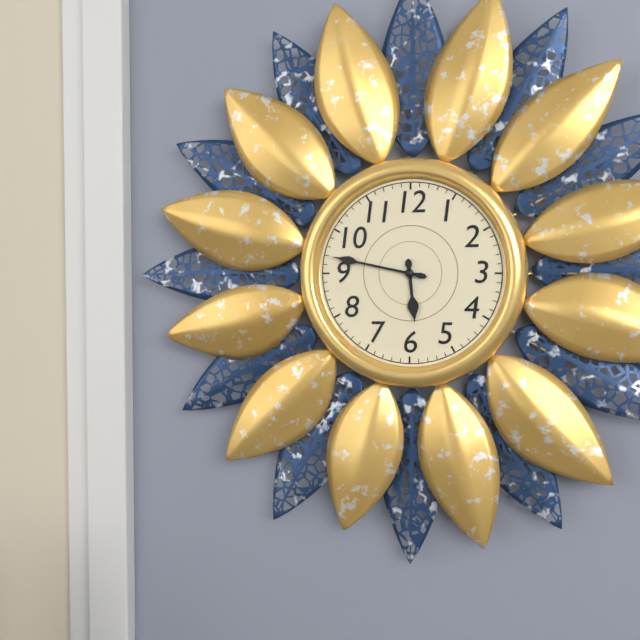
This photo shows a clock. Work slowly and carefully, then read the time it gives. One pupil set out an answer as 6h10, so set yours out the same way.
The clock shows 5h47
